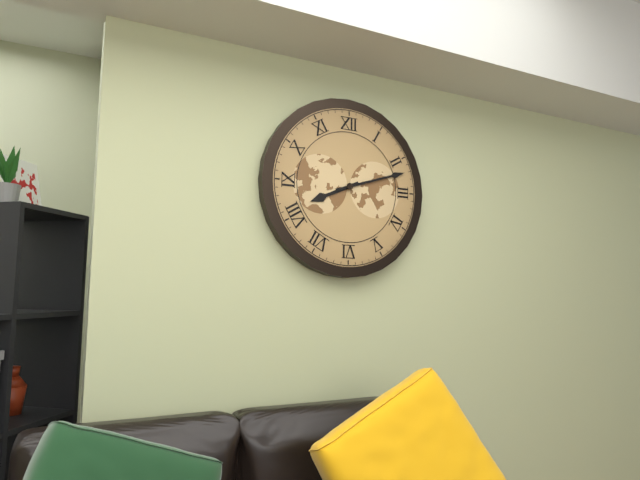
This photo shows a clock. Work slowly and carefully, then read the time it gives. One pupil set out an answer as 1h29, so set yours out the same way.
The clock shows 8h12
